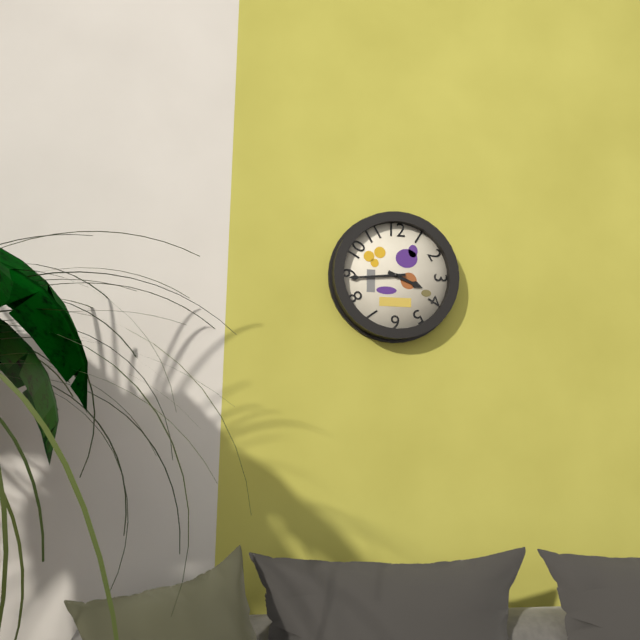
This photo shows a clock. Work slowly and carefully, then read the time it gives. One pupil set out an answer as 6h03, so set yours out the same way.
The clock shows 3h44
